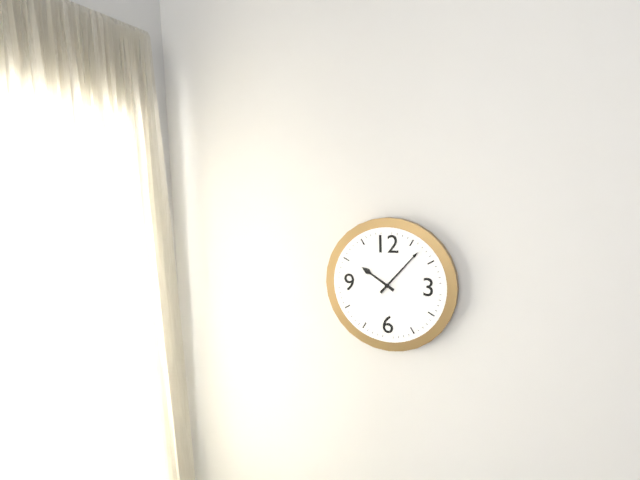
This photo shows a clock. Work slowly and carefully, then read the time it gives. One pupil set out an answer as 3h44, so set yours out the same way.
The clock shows 10h07
